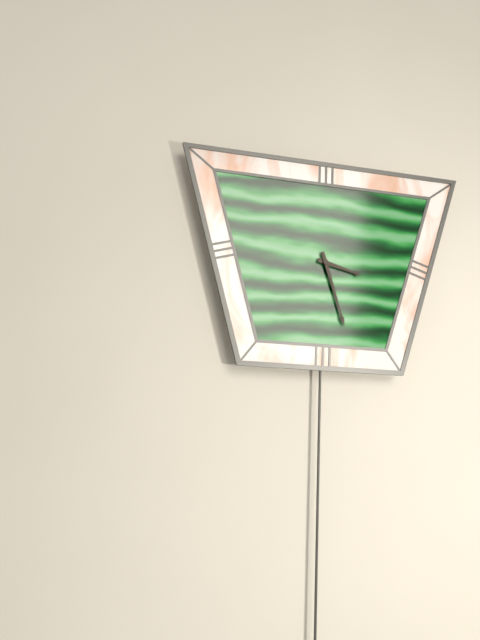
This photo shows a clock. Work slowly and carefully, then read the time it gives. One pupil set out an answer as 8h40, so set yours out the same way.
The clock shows 3h27
